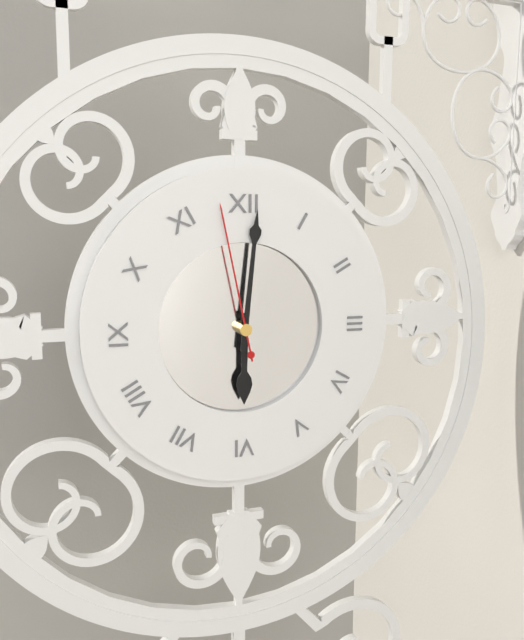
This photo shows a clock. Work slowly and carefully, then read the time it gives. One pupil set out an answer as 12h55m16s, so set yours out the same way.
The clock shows 6h01m58s
